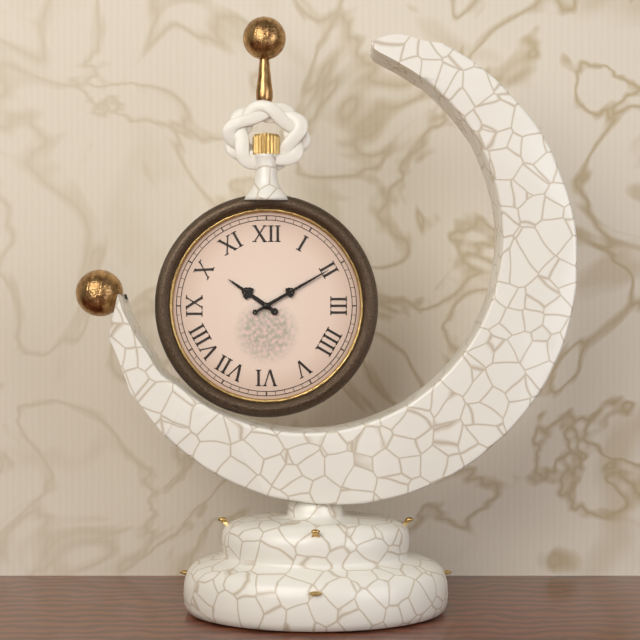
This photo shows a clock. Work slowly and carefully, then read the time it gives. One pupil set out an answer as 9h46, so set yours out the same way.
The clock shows 10h10
